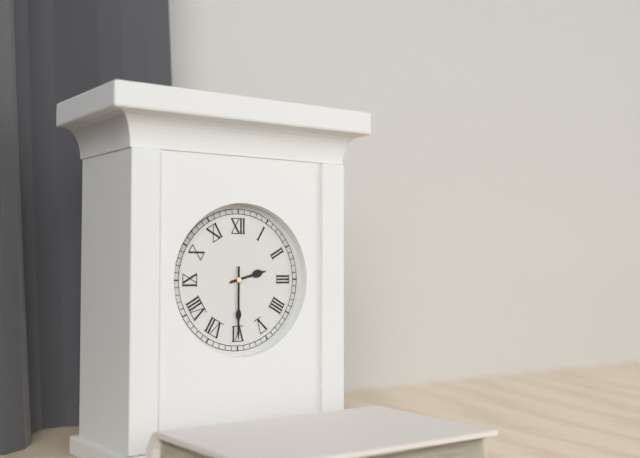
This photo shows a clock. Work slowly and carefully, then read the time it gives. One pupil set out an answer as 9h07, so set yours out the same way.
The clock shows 2h30
